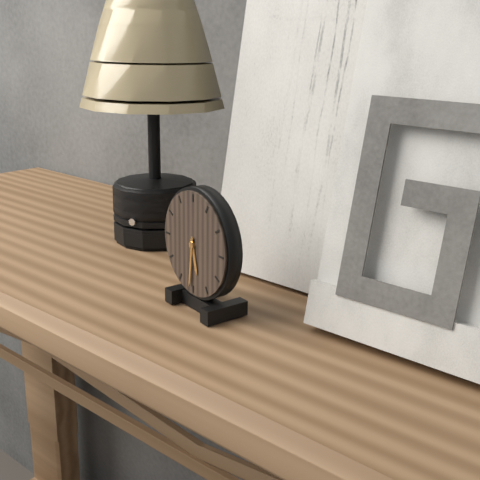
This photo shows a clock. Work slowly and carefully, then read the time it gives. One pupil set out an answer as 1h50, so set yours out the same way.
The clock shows 5h31
